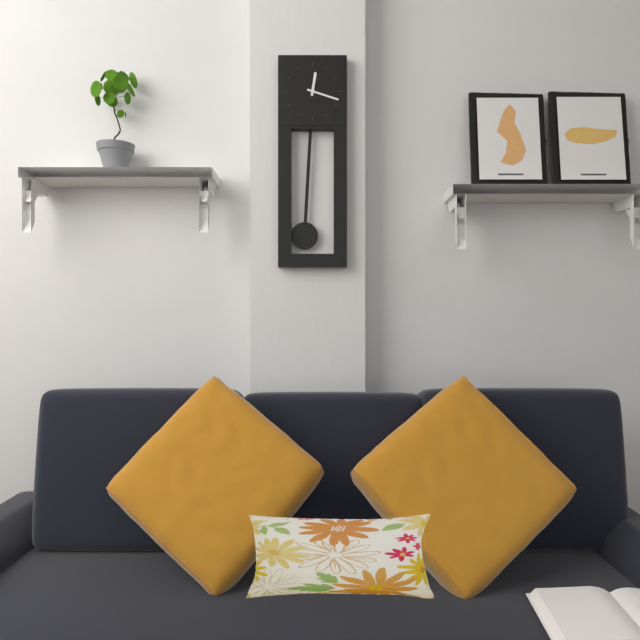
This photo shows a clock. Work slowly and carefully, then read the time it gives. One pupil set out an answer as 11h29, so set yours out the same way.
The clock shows 12h18
